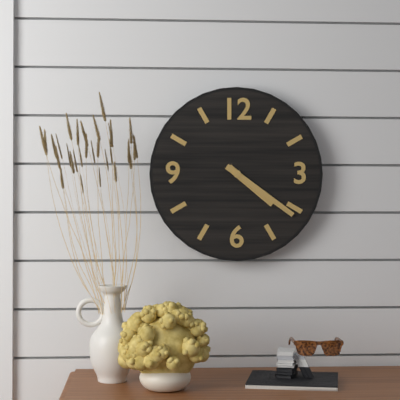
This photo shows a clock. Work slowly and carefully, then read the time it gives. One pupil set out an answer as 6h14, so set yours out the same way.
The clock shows 4h21
